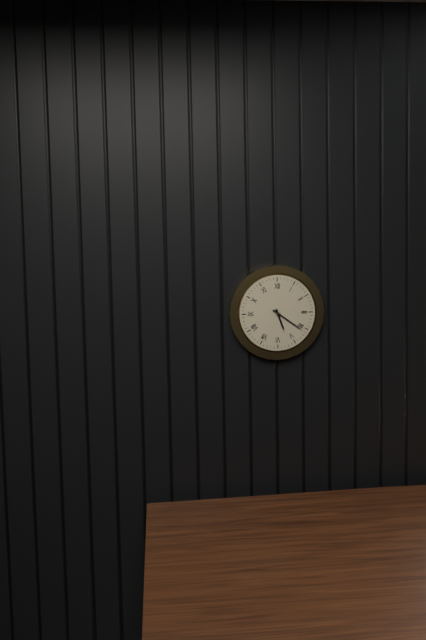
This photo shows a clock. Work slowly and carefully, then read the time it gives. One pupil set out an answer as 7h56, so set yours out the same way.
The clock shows 5h21
